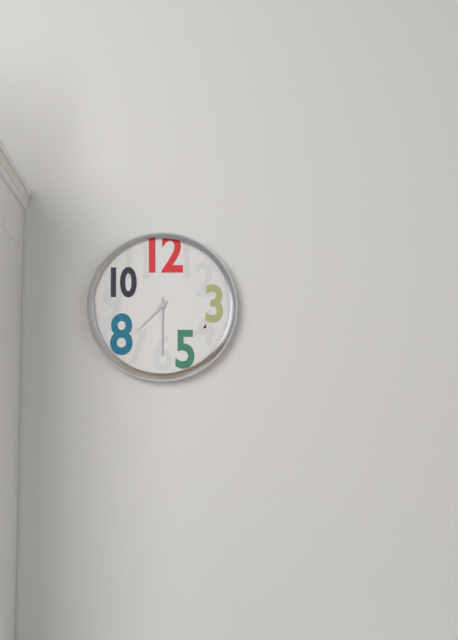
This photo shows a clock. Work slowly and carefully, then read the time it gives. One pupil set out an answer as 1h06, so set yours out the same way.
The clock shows 7h30
